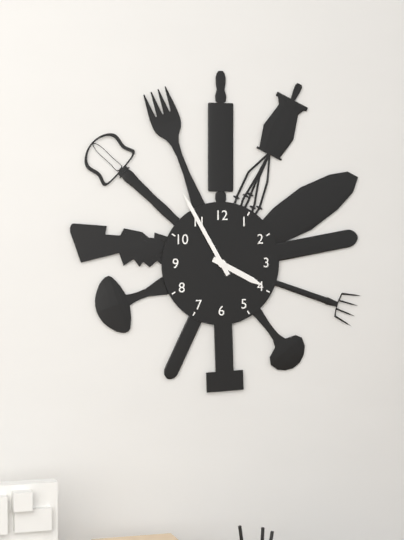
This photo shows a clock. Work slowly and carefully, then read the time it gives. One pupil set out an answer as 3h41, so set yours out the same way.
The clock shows 3h55
